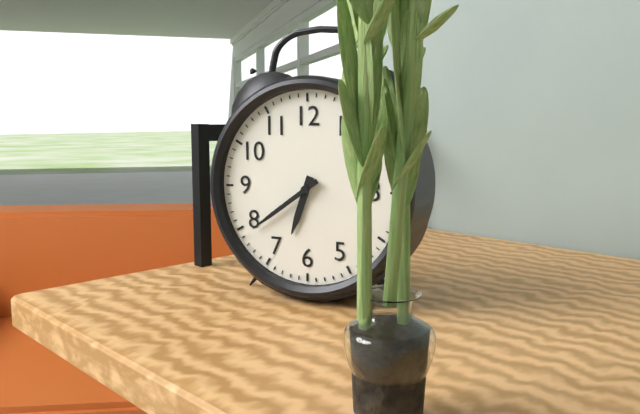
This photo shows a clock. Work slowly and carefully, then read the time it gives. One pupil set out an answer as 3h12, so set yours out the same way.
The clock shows 6h39
